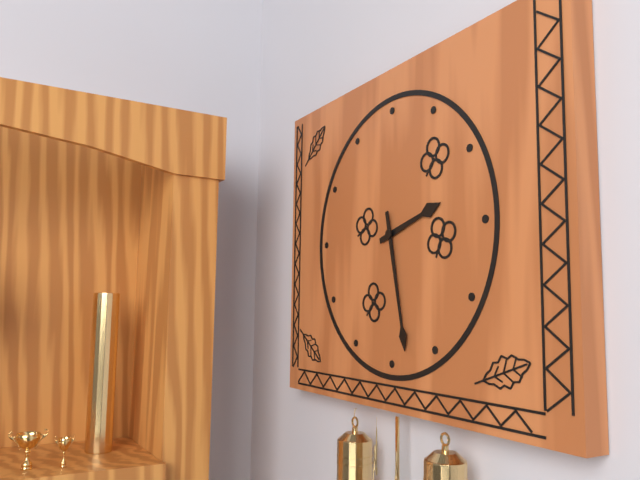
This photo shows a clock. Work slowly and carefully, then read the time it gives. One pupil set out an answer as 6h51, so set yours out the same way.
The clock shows 2h28
